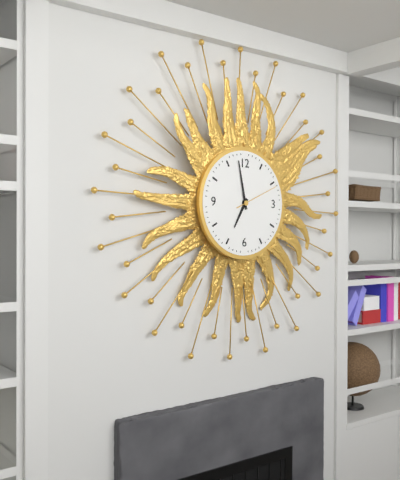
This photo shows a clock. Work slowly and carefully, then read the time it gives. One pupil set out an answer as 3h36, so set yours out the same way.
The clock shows 6h58
